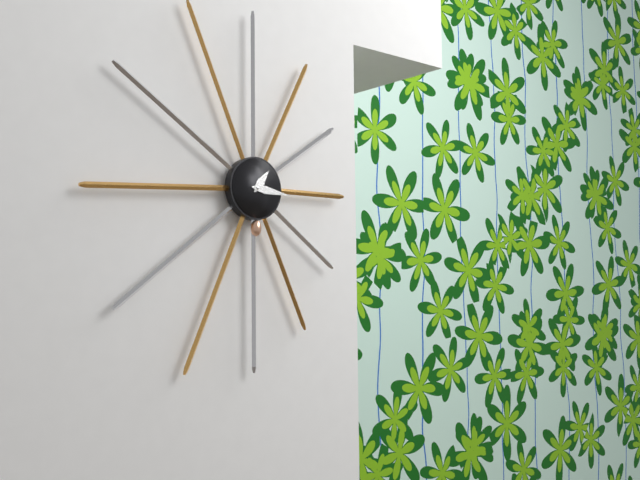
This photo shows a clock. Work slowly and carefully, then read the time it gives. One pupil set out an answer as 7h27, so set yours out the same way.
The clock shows 1h16
